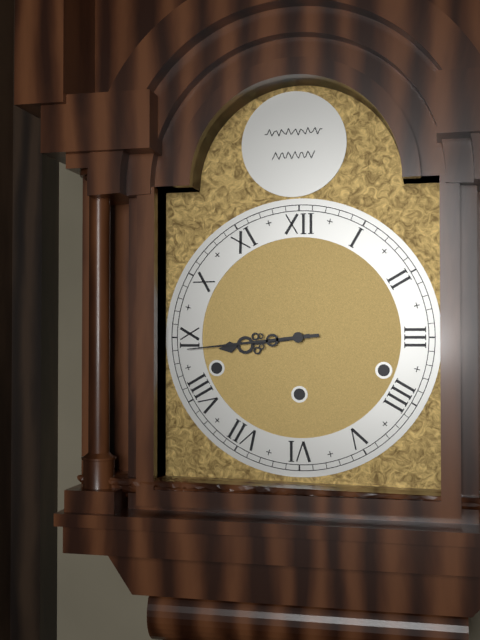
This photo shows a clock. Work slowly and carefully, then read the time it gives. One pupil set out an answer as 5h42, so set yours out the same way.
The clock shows 8h44
